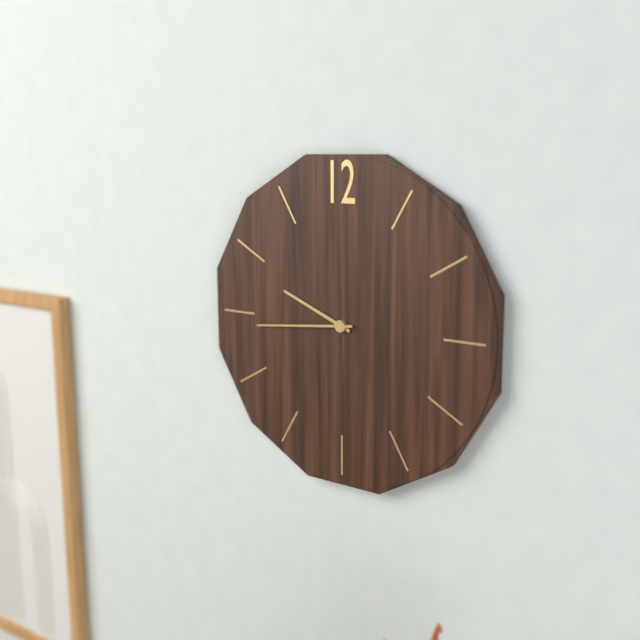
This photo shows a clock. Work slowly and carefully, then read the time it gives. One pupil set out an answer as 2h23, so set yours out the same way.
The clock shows 9h44
